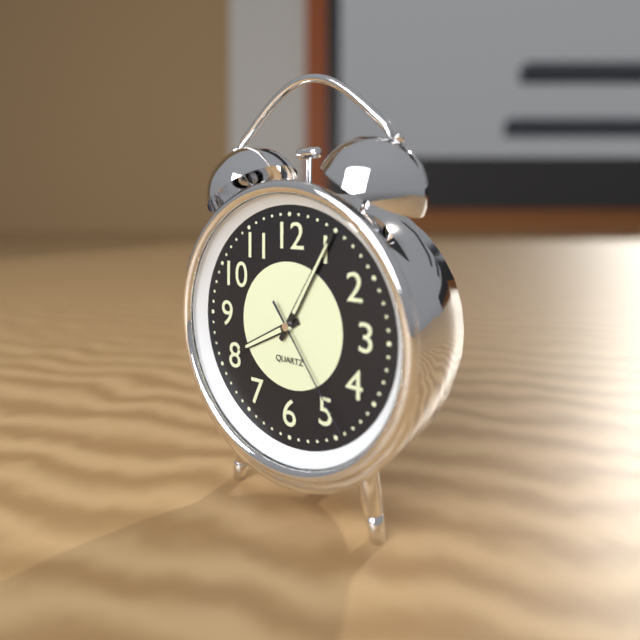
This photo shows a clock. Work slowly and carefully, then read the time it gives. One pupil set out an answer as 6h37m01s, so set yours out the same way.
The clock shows 8h05m24s
